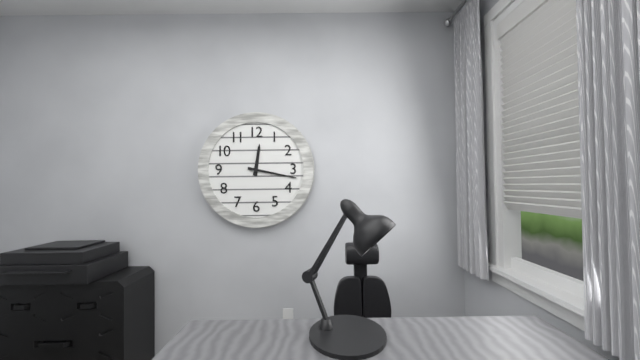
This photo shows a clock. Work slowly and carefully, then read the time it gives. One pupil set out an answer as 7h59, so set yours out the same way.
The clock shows 12h17
